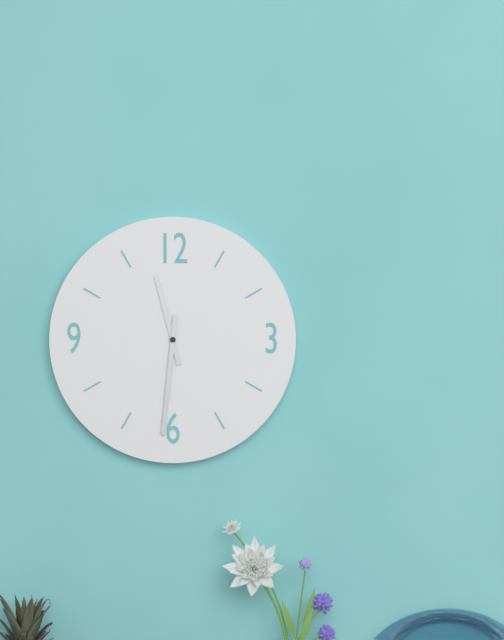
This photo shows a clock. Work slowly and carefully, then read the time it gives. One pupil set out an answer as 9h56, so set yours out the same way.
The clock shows 11h31
